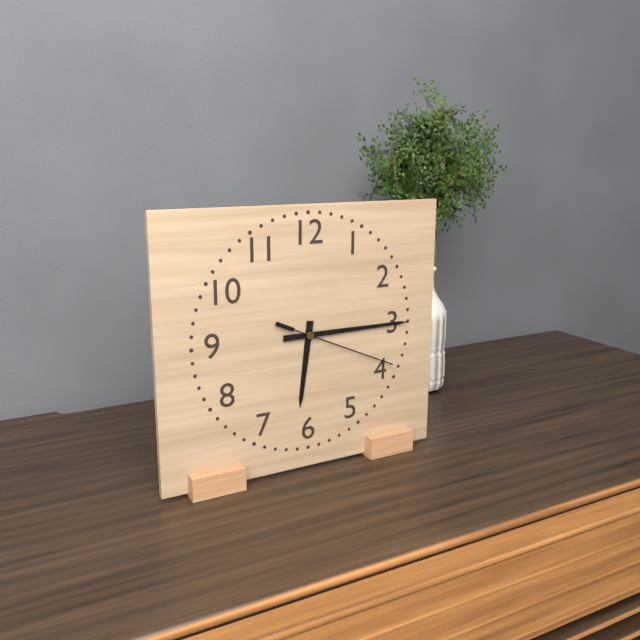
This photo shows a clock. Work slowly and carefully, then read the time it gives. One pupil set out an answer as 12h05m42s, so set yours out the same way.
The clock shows 6h15m19s
